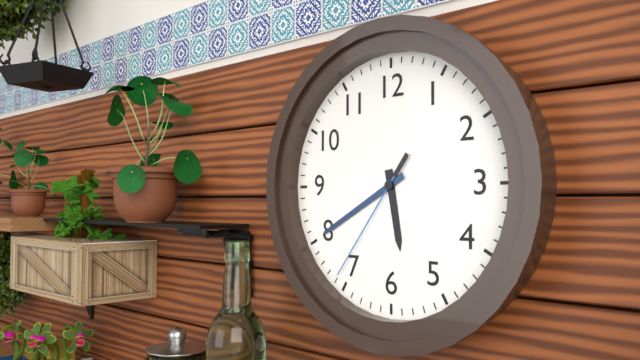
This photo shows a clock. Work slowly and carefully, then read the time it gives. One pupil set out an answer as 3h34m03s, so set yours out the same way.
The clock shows 5h40m36s
